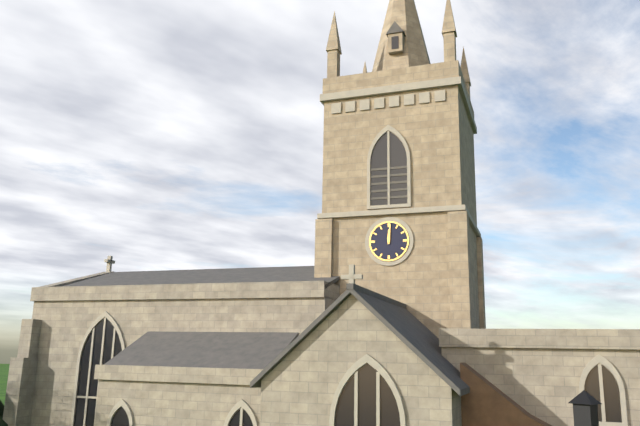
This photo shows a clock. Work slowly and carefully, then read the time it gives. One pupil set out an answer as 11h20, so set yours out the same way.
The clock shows 12h01
